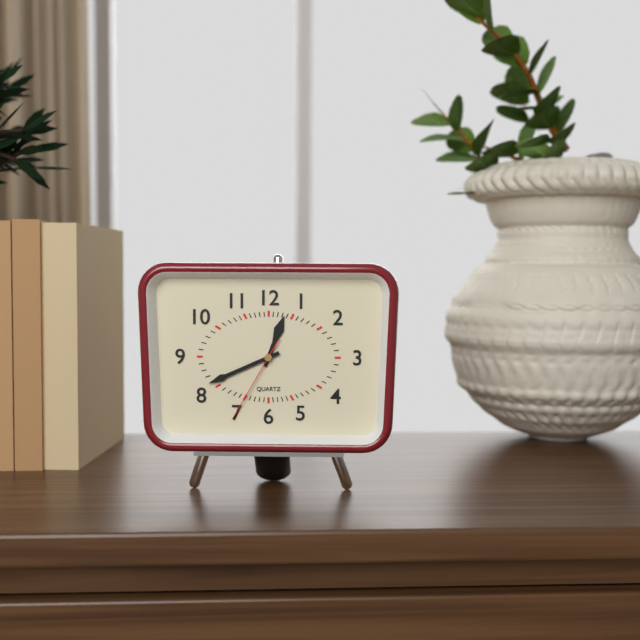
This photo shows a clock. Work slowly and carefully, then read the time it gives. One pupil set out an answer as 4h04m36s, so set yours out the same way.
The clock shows 12h41m35s
